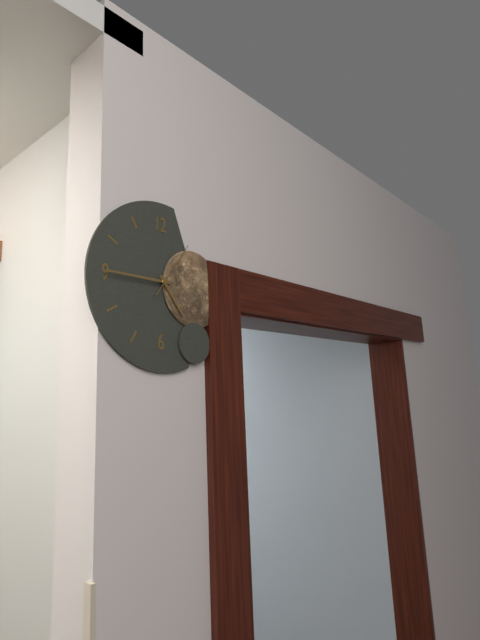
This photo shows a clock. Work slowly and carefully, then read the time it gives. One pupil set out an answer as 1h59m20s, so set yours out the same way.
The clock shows 4h45m06s
